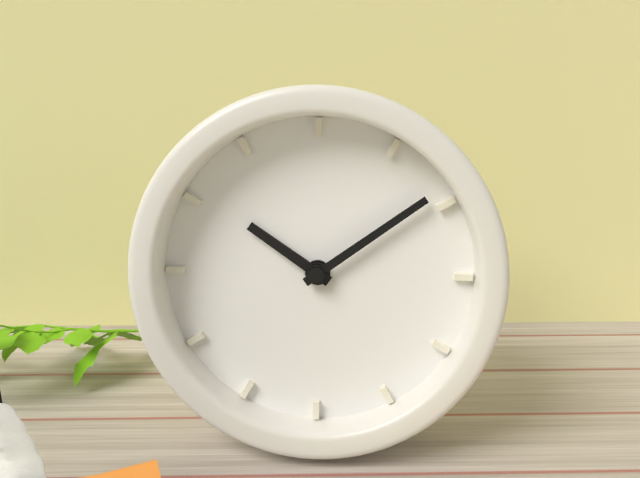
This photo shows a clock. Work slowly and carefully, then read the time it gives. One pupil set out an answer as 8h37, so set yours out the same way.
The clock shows 10h09
